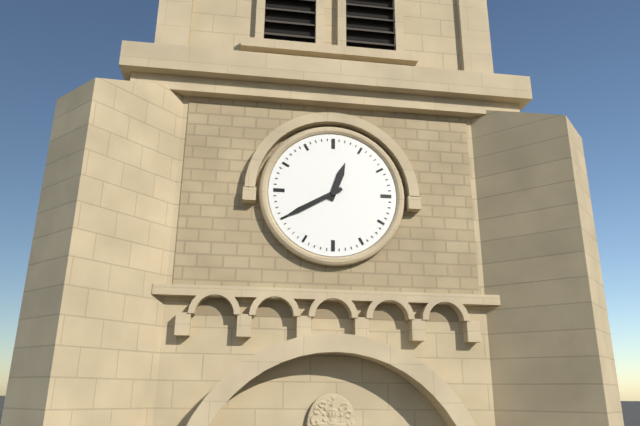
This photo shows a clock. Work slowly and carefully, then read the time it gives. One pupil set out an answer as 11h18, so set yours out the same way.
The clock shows 12h40
